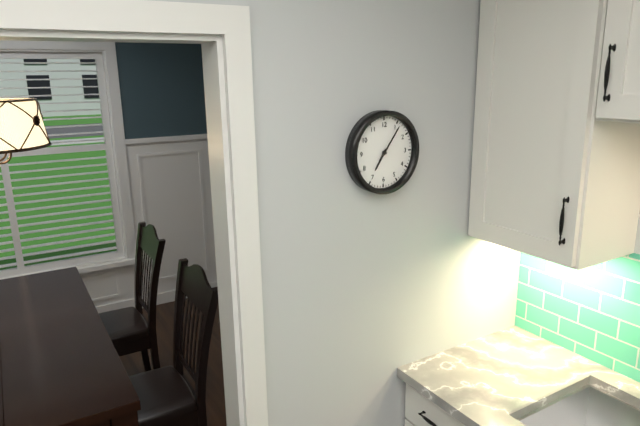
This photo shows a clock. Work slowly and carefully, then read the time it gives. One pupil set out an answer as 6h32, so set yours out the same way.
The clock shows 7h06
